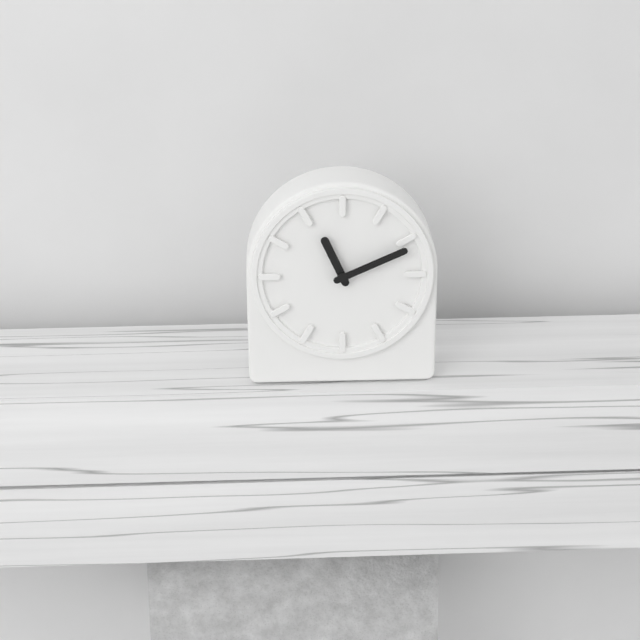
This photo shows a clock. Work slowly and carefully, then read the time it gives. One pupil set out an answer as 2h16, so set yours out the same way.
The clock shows 11h11
